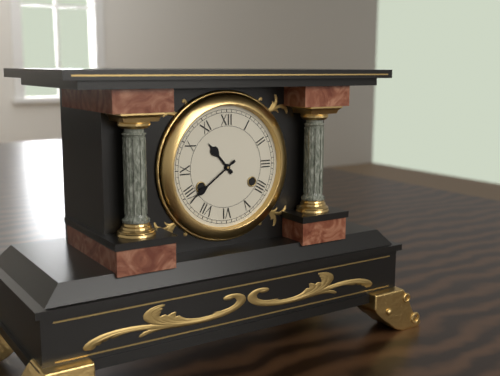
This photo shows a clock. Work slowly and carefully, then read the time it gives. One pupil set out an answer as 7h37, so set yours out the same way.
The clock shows 10h39
